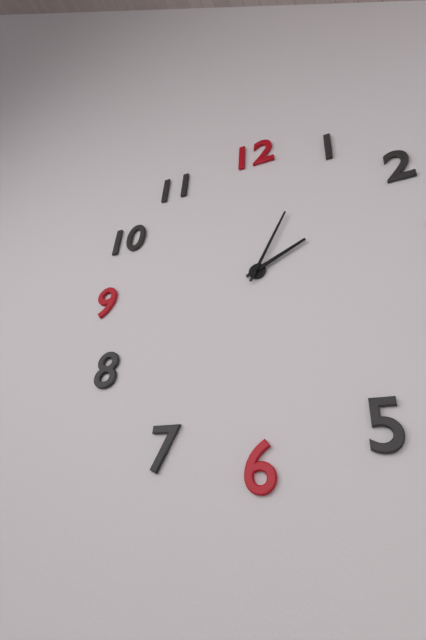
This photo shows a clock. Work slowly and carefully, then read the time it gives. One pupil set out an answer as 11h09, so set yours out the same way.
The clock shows 2h04
